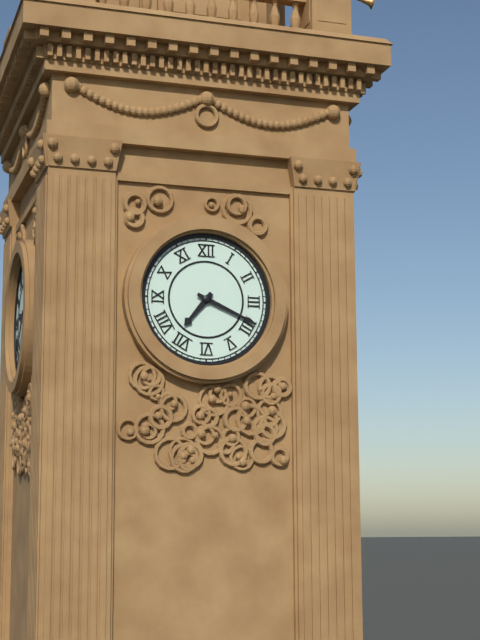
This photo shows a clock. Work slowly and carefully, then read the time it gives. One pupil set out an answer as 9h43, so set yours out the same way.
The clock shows 7h19
